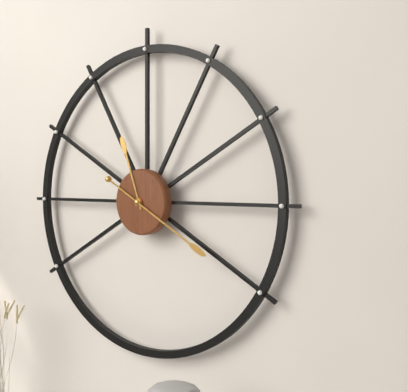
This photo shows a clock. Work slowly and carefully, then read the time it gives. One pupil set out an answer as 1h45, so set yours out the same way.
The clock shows 11h20
